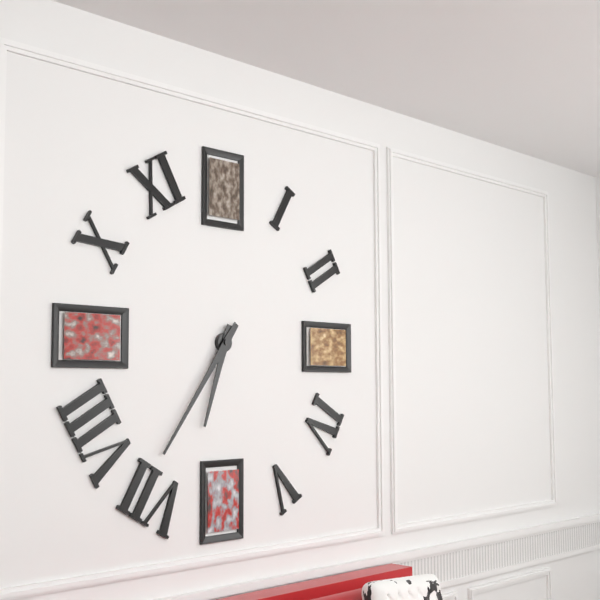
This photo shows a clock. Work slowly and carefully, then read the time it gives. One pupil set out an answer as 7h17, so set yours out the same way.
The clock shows 6h36
